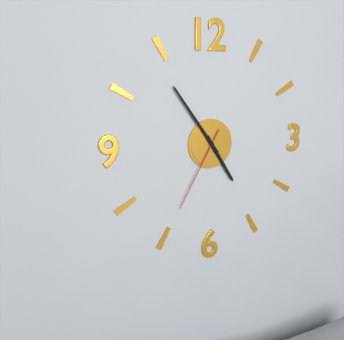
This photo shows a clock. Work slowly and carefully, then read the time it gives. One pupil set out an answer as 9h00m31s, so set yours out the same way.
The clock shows 4h54m35s
